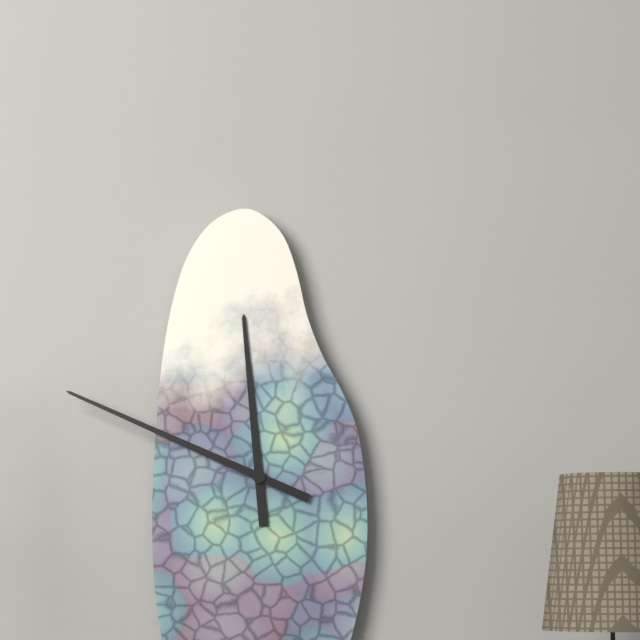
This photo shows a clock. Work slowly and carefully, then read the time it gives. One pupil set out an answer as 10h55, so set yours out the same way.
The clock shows 11h49
